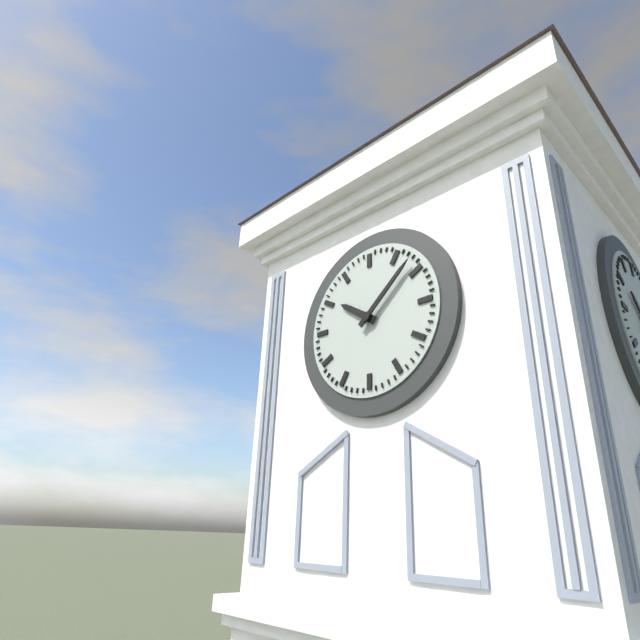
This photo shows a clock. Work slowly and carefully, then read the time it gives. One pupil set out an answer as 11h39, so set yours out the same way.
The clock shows 10h08
